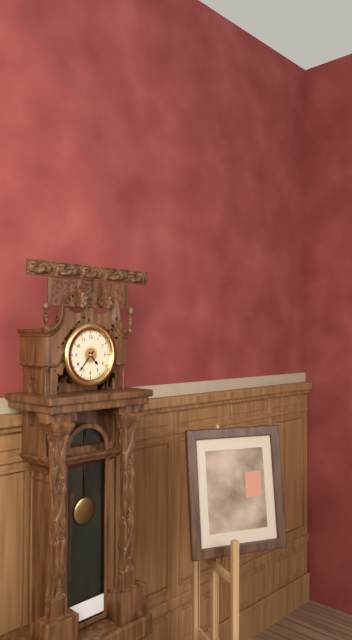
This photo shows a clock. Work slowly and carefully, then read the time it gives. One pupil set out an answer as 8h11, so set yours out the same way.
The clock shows 4h37
